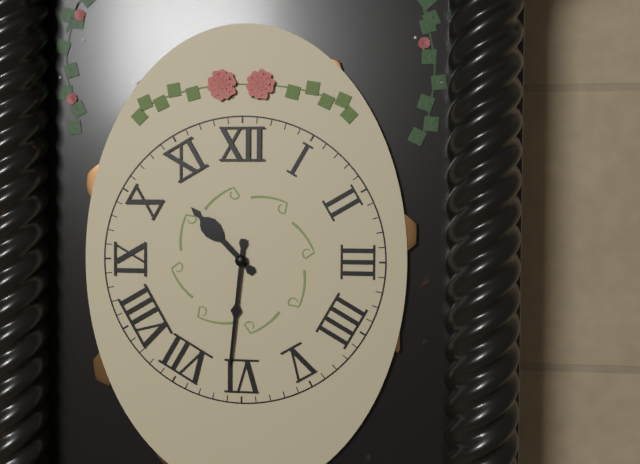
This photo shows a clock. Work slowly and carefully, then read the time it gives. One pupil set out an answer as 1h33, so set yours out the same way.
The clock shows 10h31
